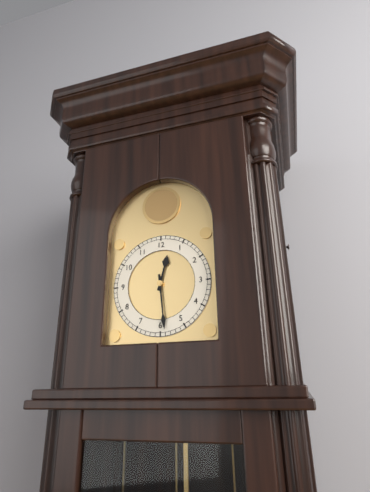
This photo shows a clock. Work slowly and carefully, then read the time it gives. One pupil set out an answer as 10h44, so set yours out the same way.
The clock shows 12h29
